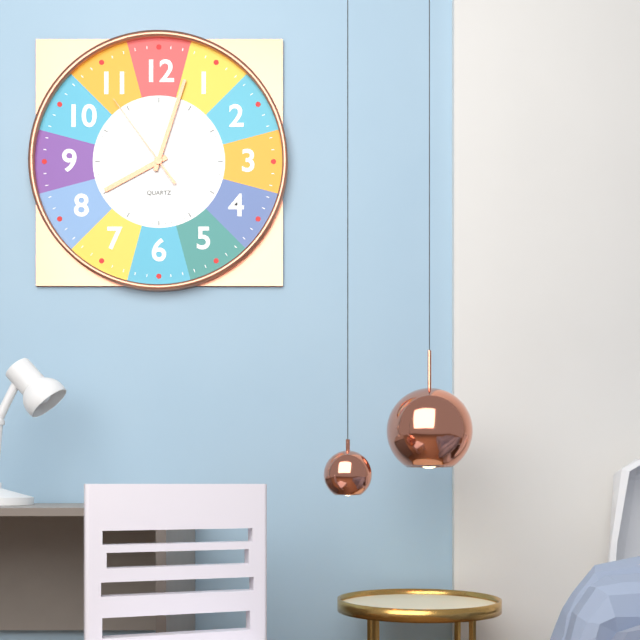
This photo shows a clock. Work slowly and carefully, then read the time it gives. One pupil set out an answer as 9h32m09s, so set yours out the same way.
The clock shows 8h03m54s
